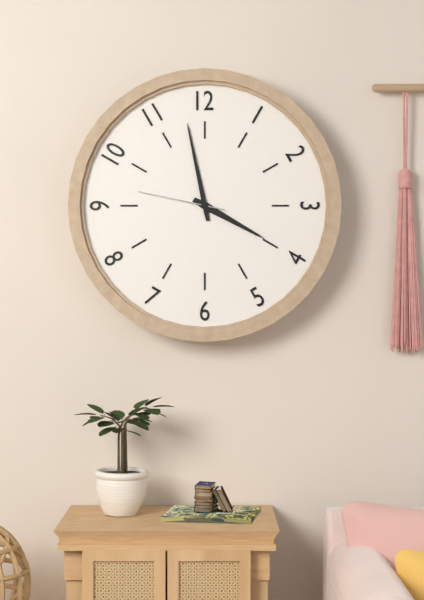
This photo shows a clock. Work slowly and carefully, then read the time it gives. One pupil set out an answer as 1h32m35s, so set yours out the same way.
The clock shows 3h58m47s
